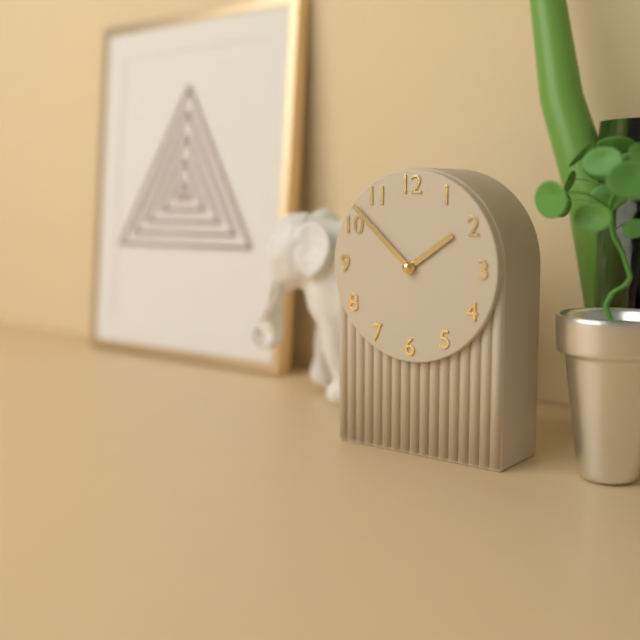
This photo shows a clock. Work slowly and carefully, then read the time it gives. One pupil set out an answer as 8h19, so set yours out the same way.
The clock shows 1h52
